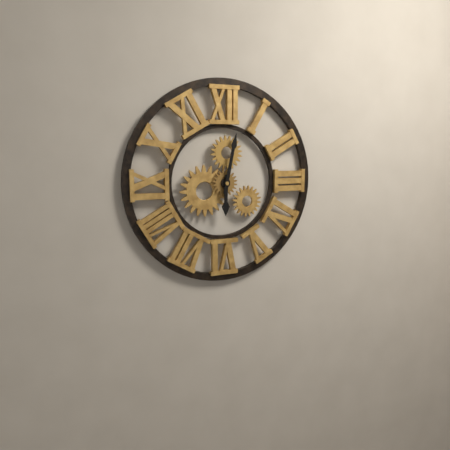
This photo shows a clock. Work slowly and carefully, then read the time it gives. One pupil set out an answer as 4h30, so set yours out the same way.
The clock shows 6h02
